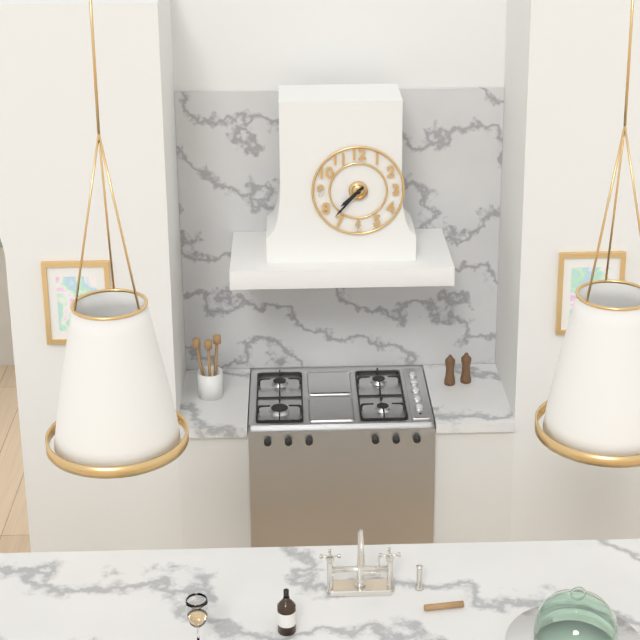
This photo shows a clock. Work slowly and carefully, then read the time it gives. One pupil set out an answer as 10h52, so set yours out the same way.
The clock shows 7h37
